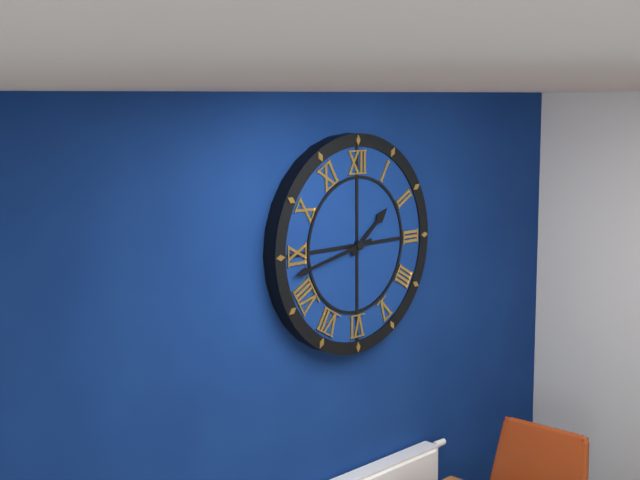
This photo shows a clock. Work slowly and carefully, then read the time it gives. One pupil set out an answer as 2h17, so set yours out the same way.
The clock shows 1h43
